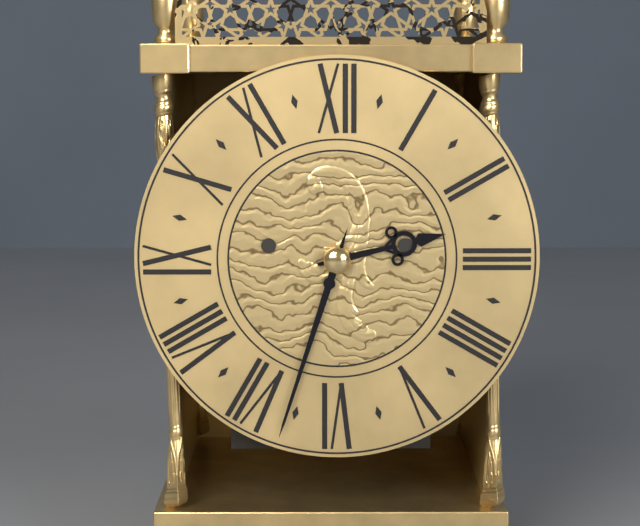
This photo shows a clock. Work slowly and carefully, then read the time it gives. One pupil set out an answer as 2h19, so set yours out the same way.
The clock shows 2h33
